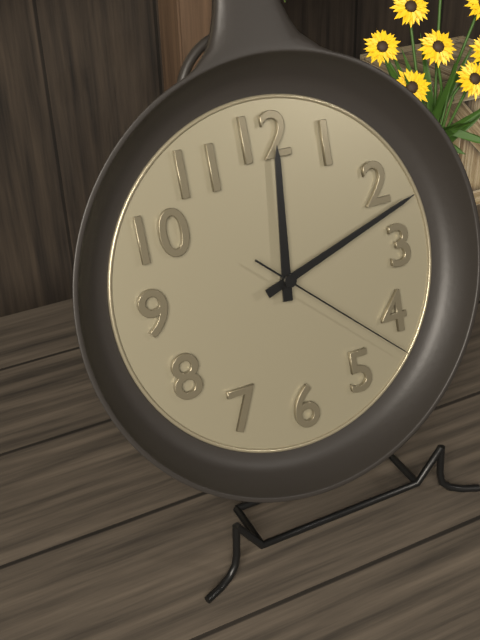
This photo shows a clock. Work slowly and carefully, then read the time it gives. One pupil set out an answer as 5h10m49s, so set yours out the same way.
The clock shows 12h12m22s
